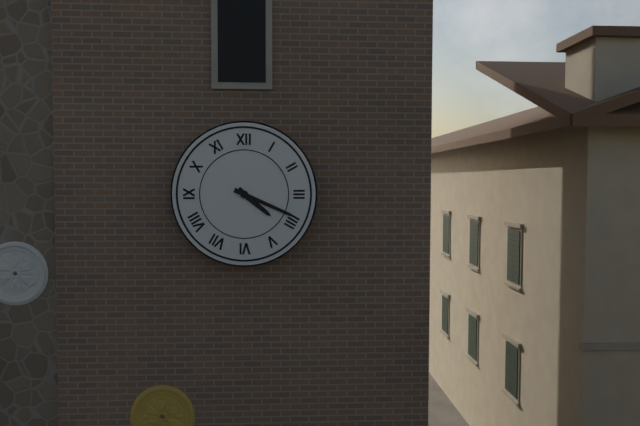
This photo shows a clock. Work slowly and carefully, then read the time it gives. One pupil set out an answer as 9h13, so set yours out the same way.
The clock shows 4h19
